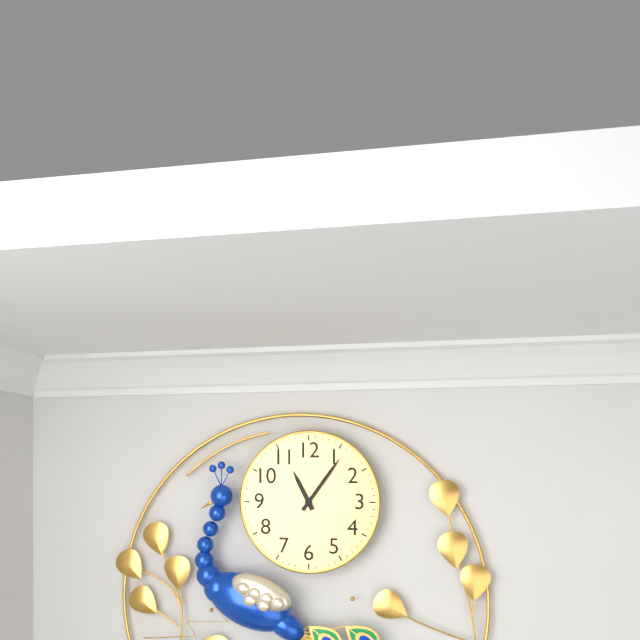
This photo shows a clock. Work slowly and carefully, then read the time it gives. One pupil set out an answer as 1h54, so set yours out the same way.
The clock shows 11h06
